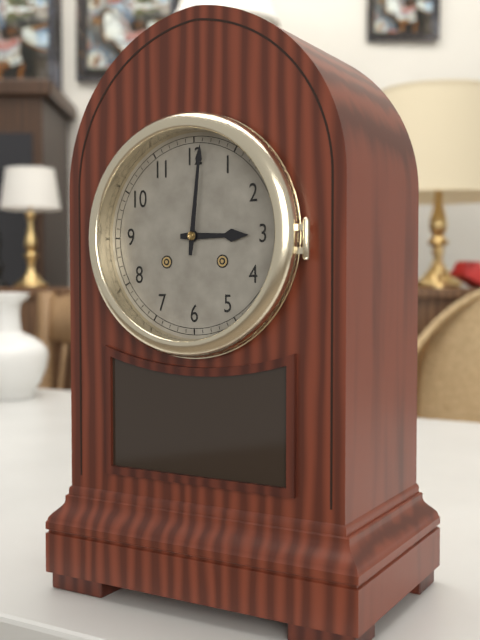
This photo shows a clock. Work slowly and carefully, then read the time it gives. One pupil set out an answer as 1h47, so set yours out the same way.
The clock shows 3h01
